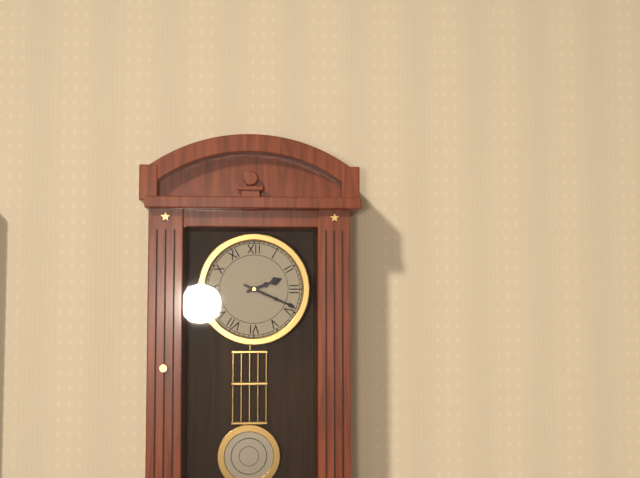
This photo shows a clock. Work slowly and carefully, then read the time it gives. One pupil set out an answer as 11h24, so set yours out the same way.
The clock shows 2h19
